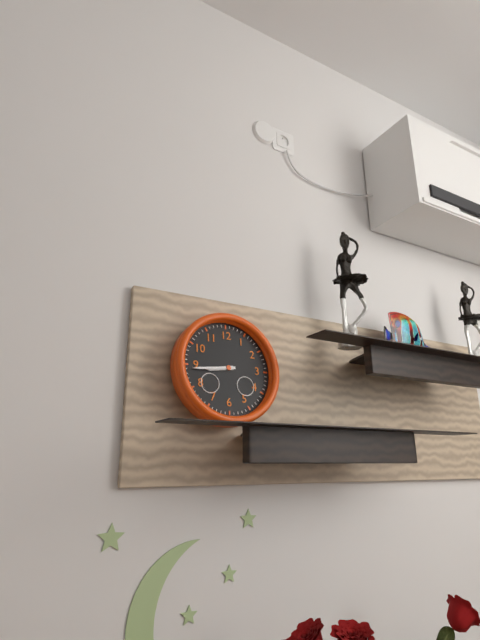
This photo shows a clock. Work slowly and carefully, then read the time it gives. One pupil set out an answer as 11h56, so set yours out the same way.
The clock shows 8h44
